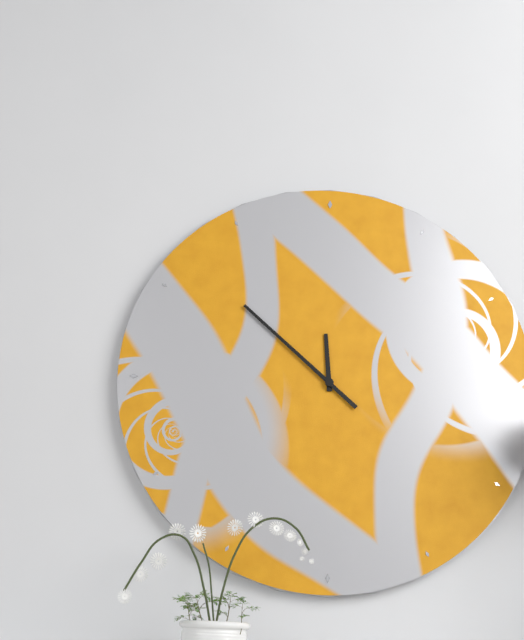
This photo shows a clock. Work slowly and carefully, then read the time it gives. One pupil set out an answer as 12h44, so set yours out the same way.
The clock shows 11h52
